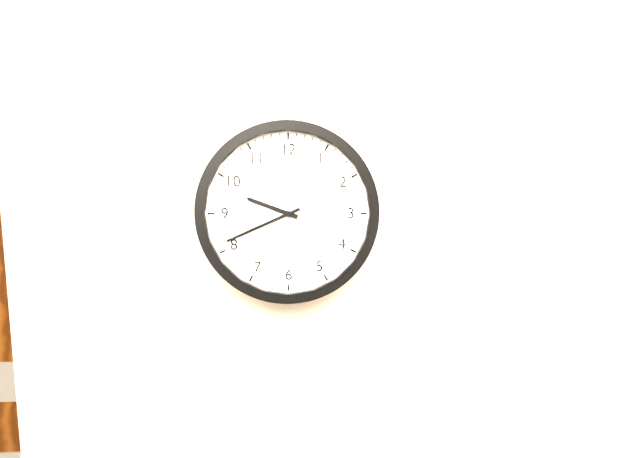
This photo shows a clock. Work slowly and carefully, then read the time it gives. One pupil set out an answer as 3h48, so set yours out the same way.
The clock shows 9h41
